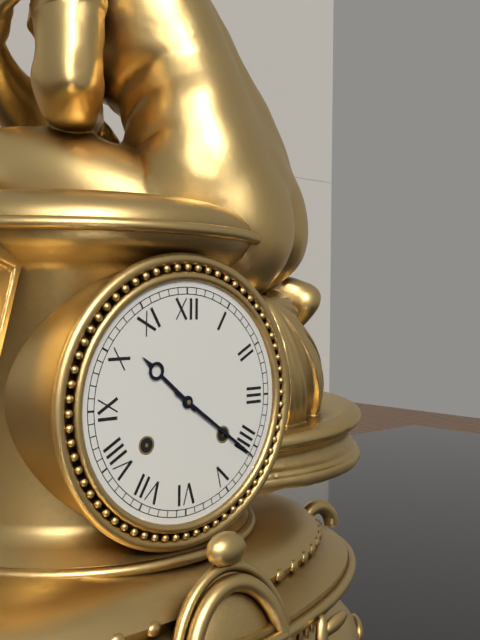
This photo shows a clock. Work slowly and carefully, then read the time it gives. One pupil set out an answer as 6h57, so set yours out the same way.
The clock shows 10h21
